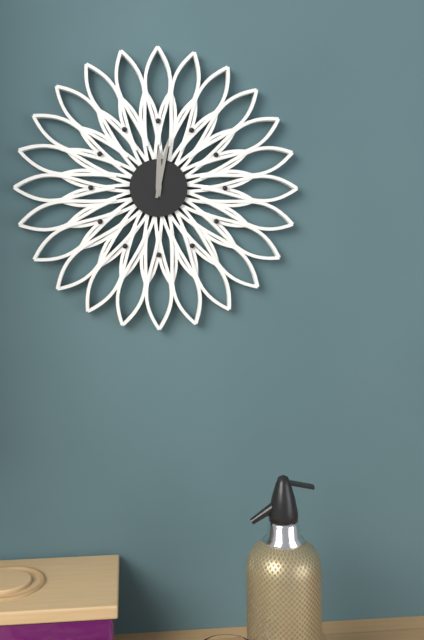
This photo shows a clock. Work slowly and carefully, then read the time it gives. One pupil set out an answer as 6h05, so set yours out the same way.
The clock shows 12h02
